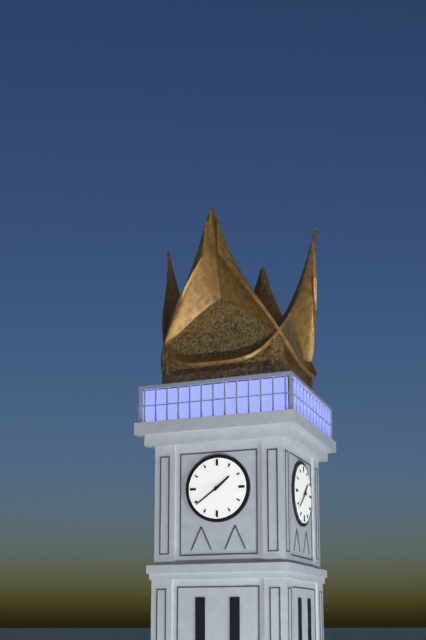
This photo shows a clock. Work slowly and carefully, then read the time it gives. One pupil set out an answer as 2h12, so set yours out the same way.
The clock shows 1h39
